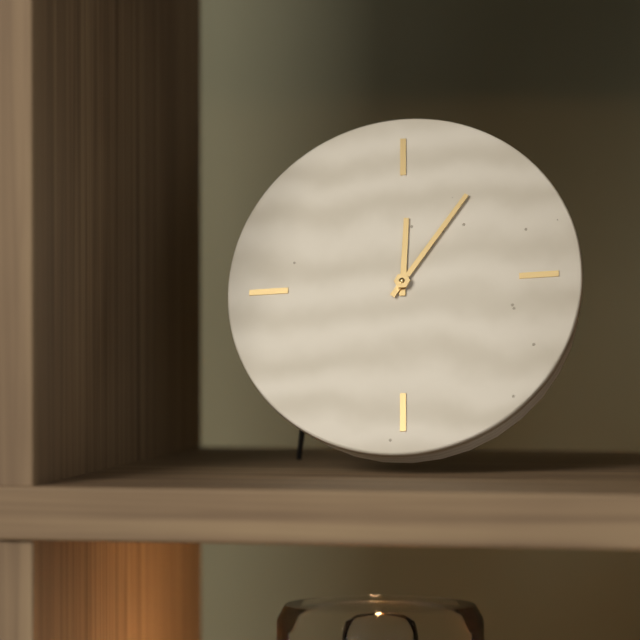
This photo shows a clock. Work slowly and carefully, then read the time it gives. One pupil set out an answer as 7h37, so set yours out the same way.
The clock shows 12h06
